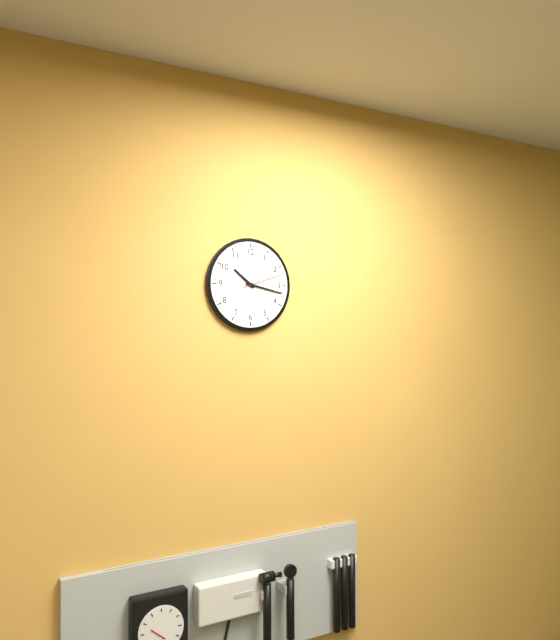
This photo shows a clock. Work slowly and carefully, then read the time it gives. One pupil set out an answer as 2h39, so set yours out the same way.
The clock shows 10h17
